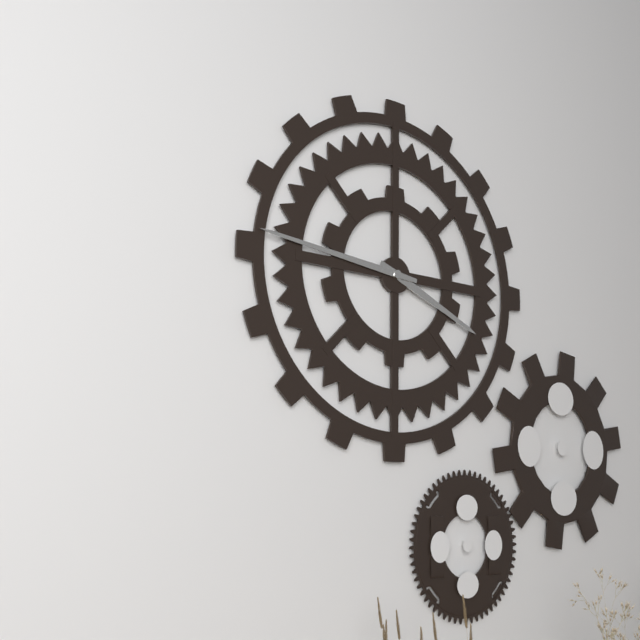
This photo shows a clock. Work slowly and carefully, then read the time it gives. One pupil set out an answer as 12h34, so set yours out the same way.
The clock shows 3h46
